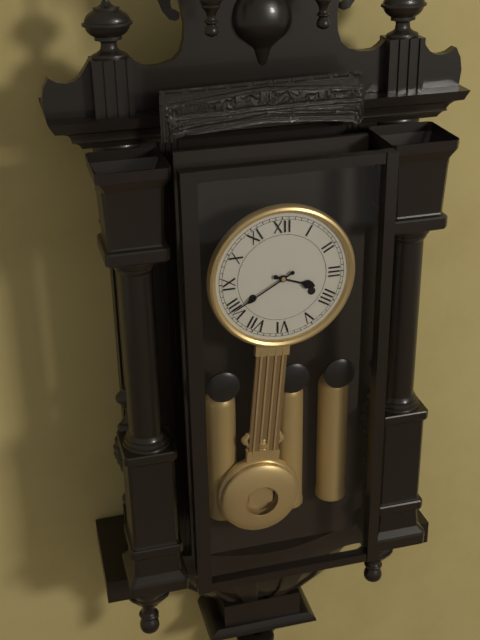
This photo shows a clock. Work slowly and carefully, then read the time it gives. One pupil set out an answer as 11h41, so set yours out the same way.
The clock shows 3h40
